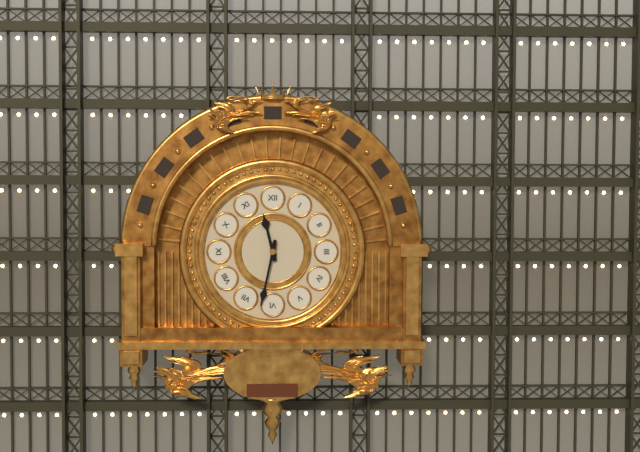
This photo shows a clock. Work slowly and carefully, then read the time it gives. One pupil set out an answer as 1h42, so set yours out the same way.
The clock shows 11h32
